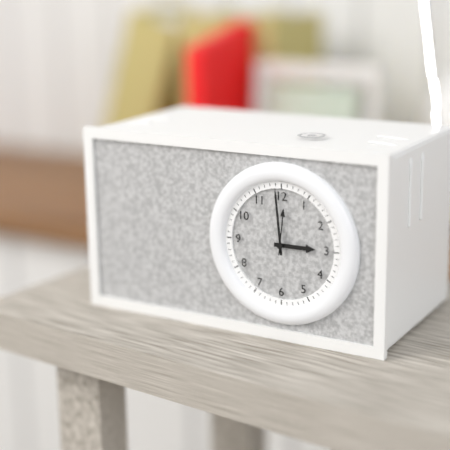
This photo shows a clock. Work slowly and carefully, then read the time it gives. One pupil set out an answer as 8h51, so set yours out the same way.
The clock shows 2h59
